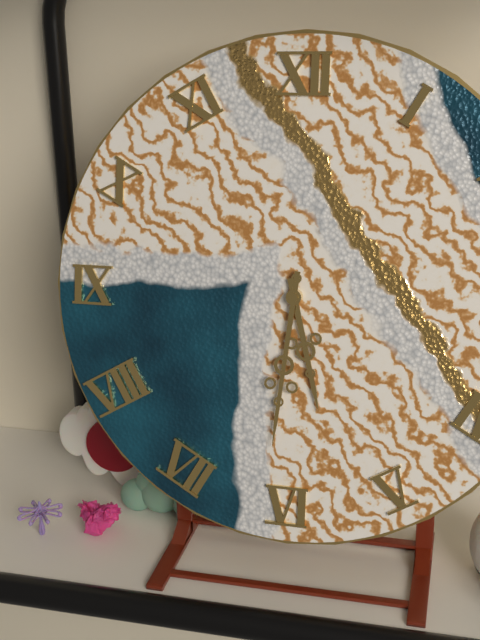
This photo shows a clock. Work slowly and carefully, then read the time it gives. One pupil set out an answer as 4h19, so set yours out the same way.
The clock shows 5h31
